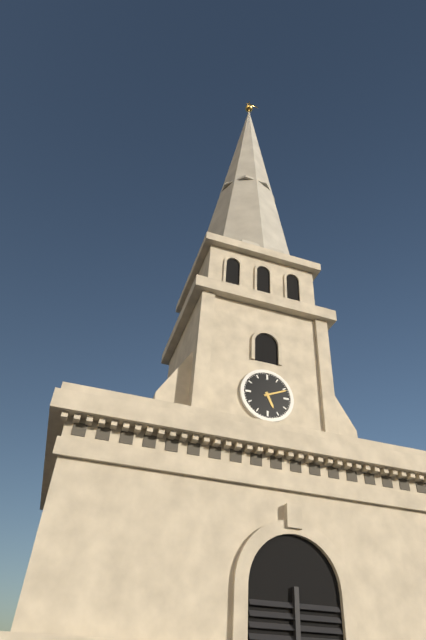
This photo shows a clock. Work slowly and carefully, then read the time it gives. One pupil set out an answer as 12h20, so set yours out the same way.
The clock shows 5h11
